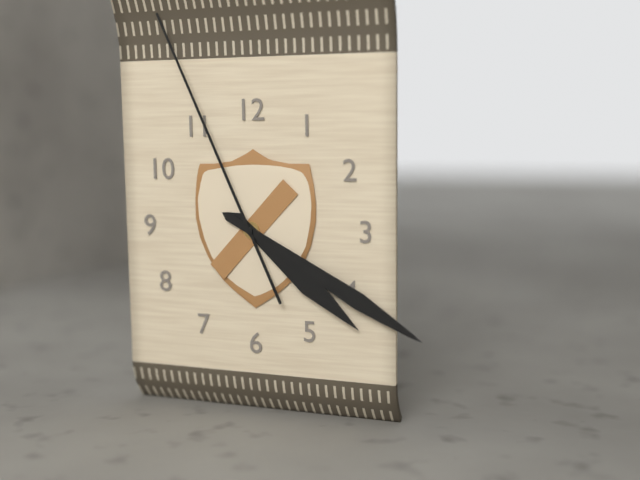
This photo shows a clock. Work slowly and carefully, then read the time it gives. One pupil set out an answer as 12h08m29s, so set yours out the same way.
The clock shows 4h20m56s
